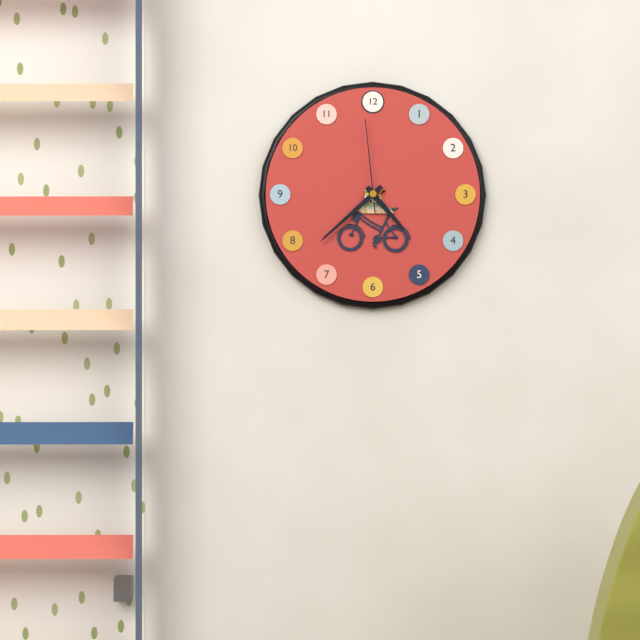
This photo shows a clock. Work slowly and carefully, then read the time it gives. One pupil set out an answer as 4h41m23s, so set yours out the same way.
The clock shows 4h38m59s
